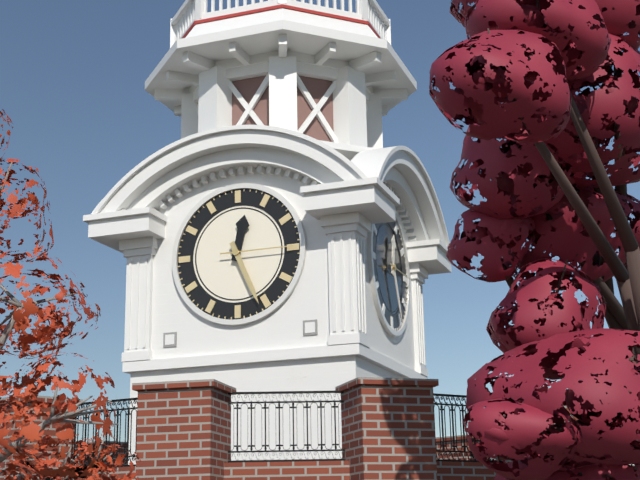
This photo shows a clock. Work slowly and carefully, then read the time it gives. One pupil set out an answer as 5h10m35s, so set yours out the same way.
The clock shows 12h26m15s
